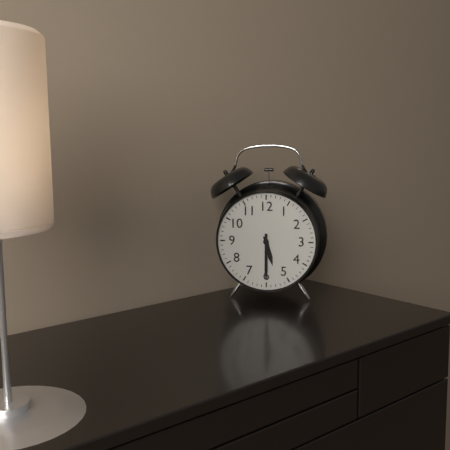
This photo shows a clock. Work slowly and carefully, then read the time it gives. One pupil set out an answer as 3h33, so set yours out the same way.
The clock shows 5h30
